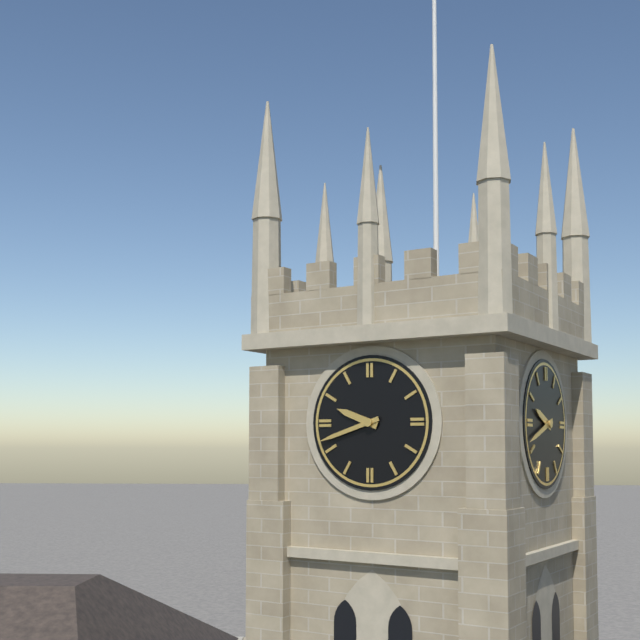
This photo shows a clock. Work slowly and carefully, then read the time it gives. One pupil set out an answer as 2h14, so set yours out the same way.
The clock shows 9h42
